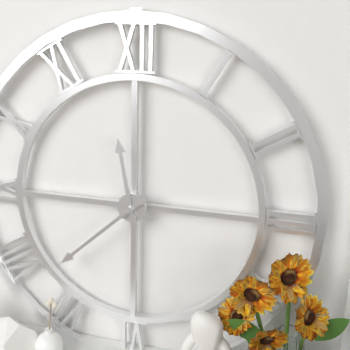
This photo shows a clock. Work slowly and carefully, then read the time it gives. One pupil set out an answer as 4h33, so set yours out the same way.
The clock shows 11h38
